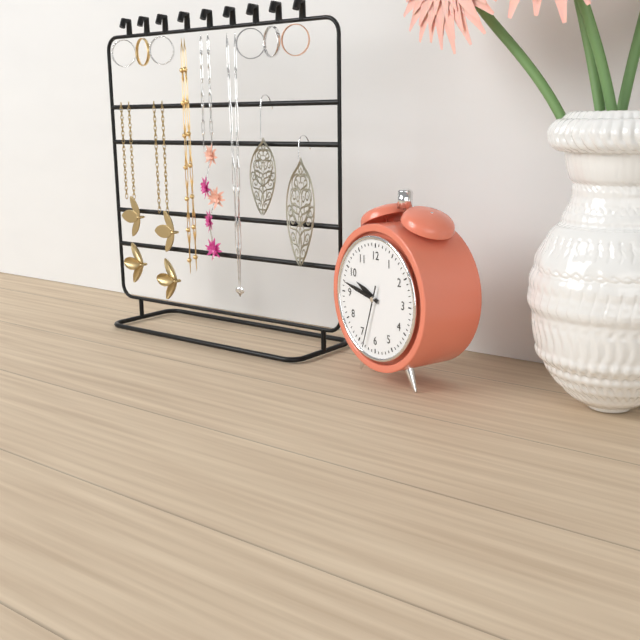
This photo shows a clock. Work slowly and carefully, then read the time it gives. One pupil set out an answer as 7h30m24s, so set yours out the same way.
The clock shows 9h47m33s
